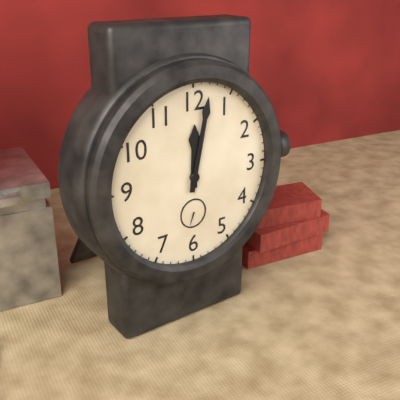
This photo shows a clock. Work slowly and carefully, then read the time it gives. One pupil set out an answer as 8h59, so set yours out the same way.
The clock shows 12h02
